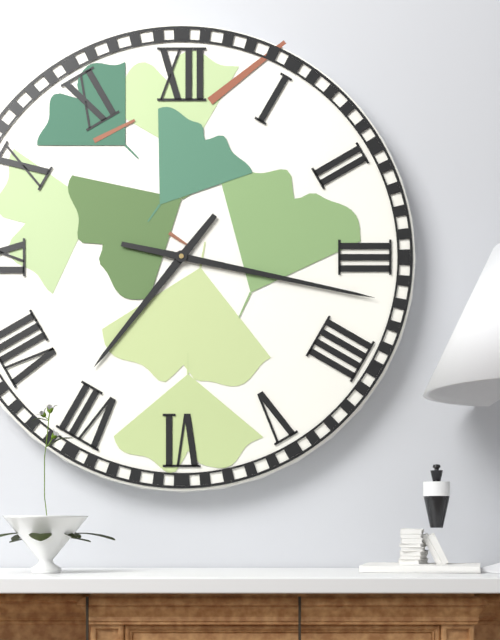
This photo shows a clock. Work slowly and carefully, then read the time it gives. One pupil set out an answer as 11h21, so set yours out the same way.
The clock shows 7h17
